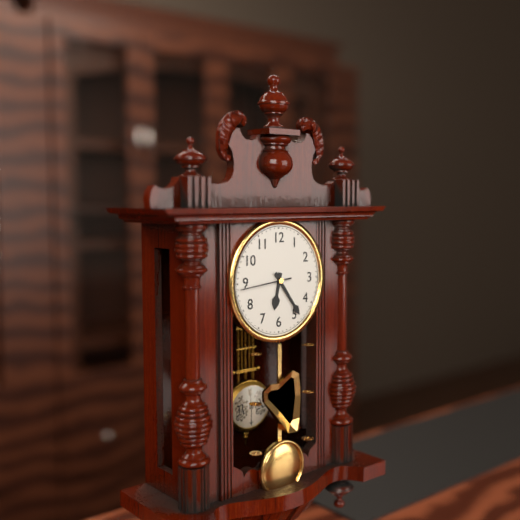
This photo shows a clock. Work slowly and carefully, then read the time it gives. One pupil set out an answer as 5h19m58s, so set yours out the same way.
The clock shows 6h24m44s
